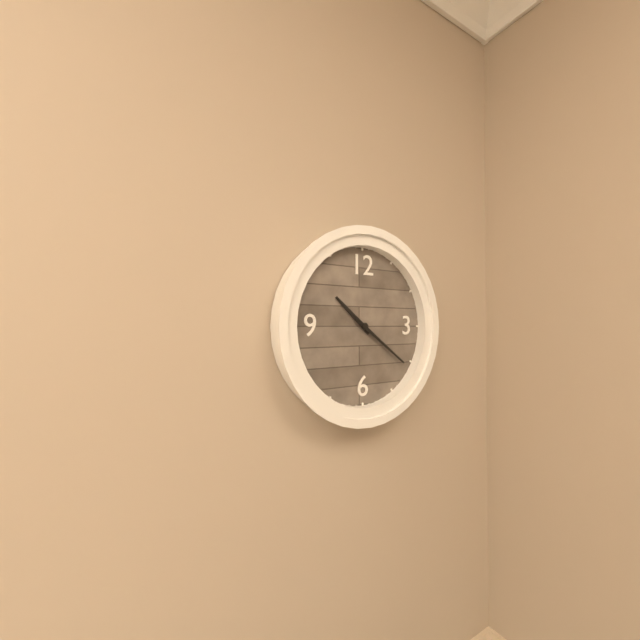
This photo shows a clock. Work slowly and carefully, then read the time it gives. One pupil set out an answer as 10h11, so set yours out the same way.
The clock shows 10h21
